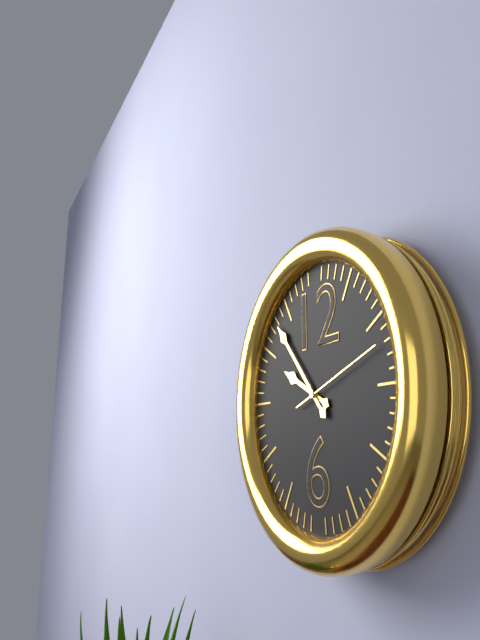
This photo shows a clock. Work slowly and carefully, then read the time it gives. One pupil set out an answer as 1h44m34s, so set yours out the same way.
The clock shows 9h53m12s
